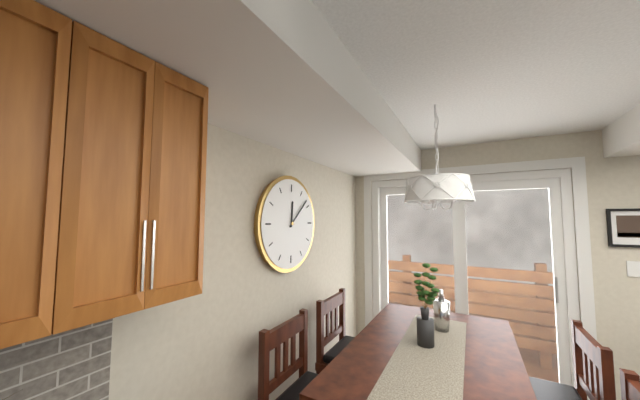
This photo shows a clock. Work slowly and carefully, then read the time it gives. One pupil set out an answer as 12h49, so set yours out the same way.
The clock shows 12h08
